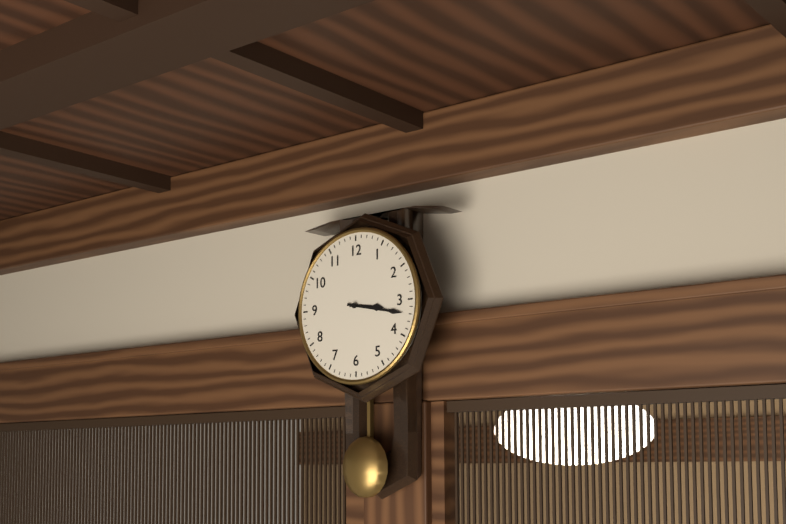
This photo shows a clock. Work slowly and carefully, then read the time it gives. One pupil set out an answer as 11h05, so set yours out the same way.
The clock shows 3h17
